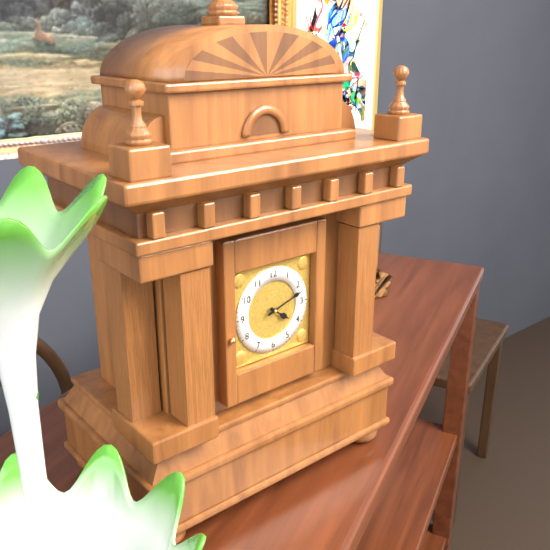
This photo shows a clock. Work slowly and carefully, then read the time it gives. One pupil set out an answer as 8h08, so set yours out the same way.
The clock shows 4h12
